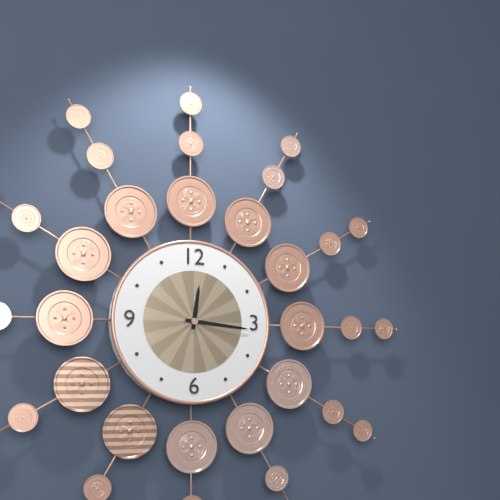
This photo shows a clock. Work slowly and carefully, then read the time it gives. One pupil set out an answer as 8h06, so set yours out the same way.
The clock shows 12h16
